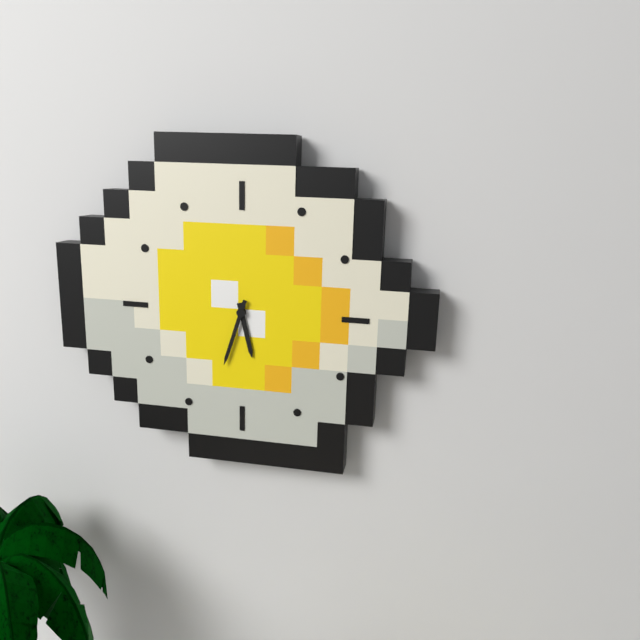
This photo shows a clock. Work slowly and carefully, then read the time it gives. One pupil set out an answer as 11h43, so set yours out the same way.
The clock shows 5h33
